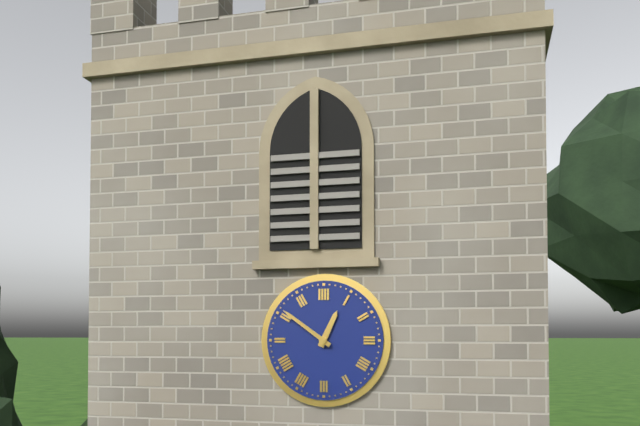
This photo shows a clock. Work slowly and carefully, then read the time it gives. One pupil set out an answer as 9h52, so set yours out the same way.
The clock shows 12h51
